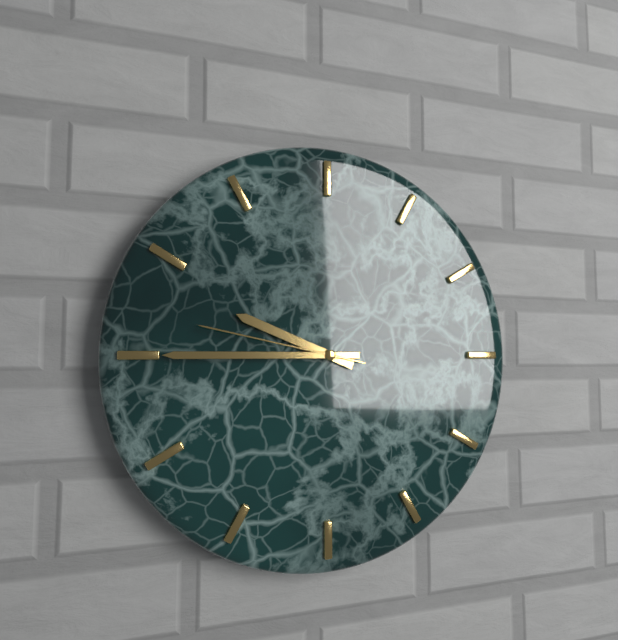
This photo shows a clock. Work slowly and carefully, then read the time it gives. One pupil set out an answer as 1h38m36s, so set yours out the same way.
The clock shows 9h45m47s
